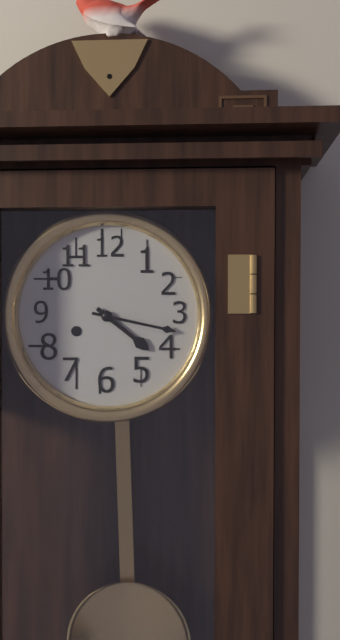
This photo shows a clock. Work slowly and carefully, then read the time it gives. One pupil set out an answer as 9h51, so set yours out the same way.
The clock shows 4h17
